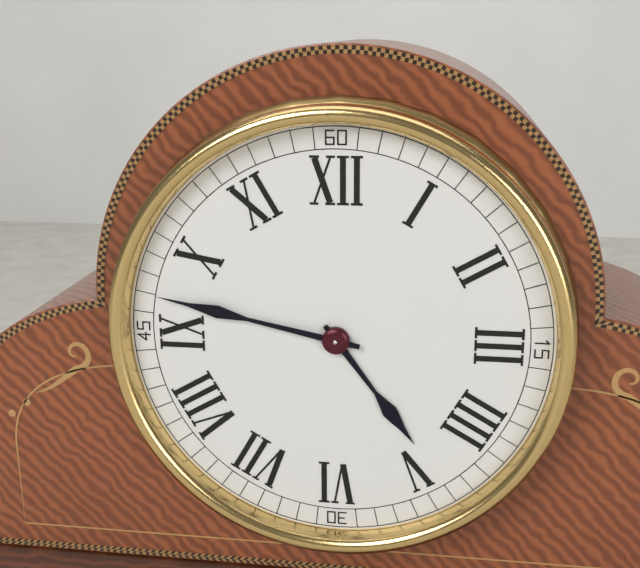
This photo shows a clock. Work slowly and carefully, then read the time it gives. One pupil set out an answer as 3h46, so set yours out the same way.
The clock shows 4h47
